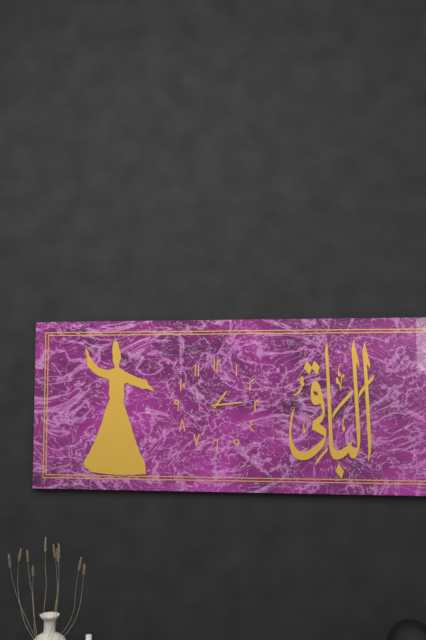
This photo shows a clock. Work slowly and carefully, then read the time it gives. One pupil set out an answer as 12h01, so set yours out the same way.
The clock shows 1h14
